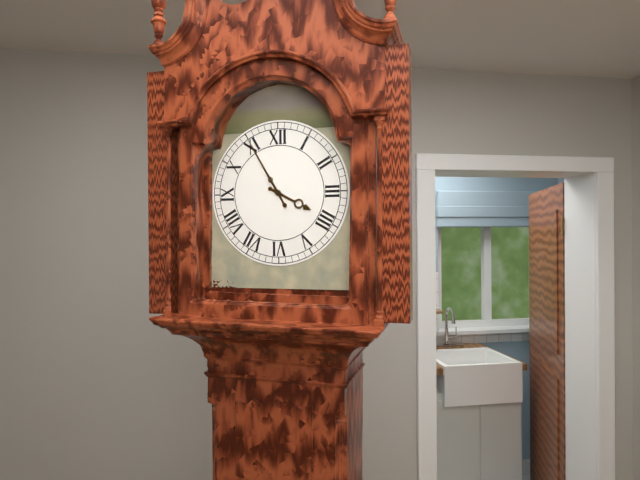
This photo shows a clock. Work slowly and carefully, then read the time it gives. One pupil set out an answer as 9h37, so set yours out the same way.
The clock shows 3h55
